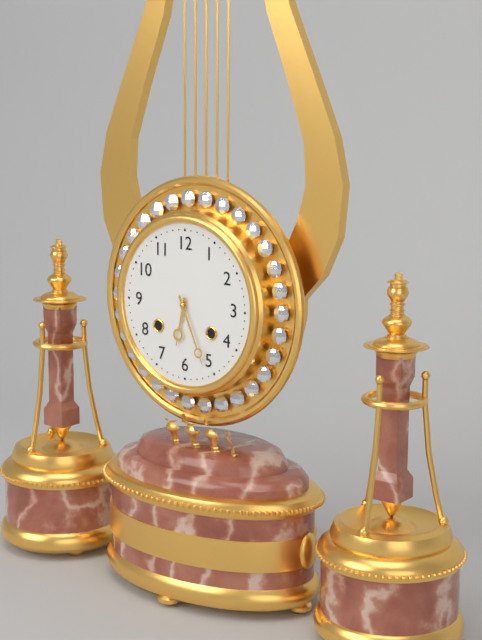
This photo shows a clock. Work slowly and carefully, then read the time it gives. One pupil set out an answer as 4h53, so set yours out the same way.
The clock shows 6h26
